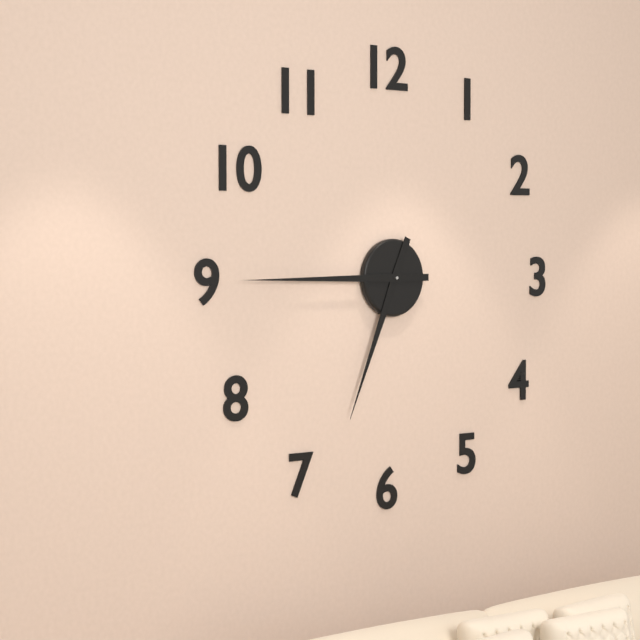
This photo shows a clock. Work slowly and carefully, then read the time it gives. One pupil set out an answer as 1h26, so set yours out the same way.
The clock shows 6h45
